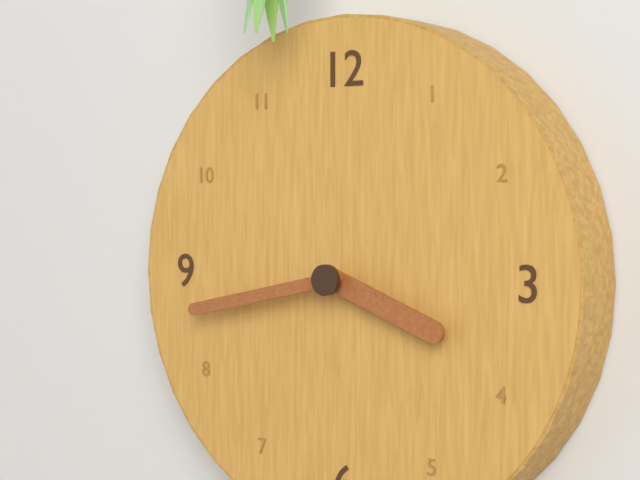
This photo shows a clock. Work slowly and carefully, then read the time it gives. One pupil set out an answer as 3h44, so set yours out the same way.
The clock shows 3h43
